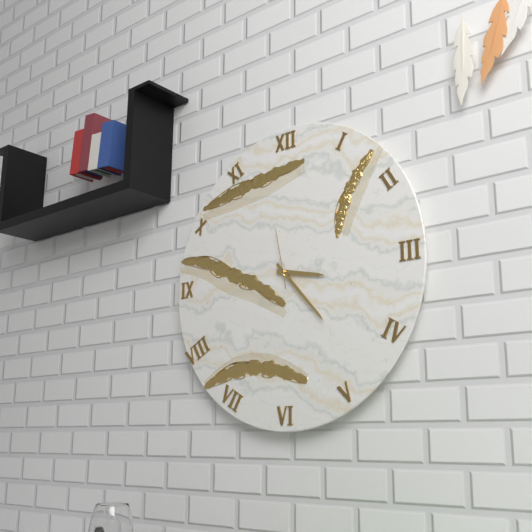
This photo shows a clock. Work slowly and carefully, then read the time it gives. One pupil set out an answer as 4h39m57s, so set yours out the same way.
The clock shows 3h23m58s
